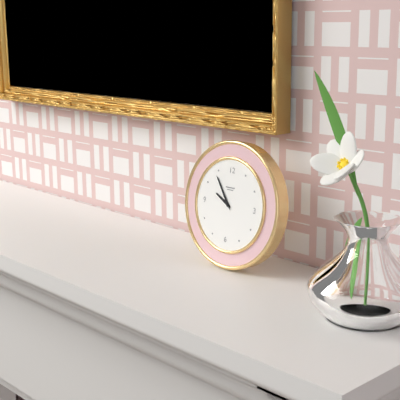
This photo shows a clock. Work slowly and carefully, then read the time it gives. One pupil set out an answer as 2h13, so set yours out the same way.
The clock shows 9h54
